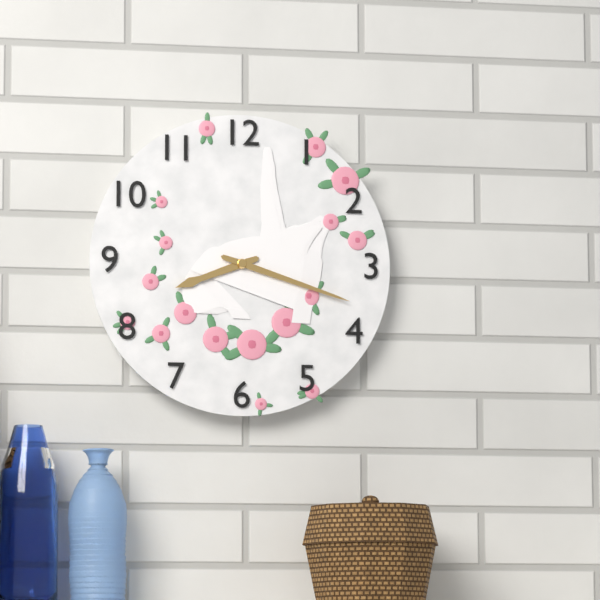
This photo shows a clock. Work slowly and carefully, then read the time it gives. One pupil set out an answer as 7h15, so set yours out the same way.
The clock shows 8h18
